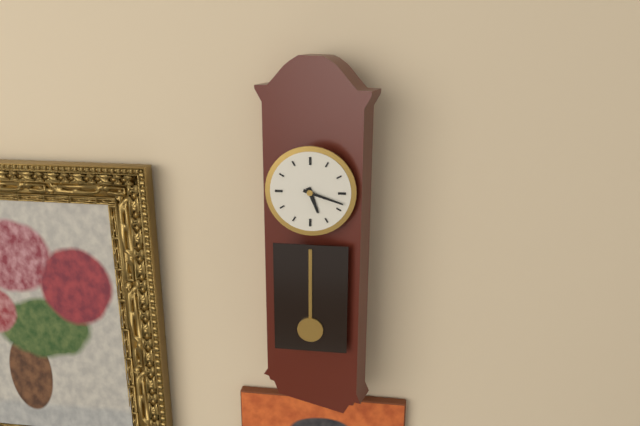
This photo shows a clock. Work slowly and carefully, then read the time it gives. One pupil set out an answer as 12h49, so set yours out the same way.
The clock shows 5h18
